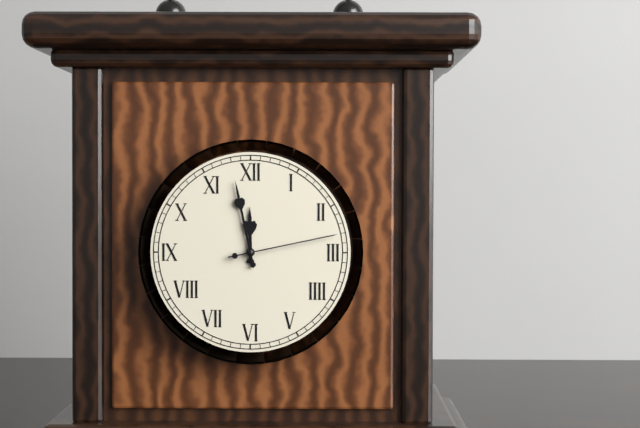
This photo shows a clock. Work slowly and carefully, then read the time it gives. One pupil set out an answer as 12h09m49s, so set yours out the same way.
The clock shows 11h58m13s
